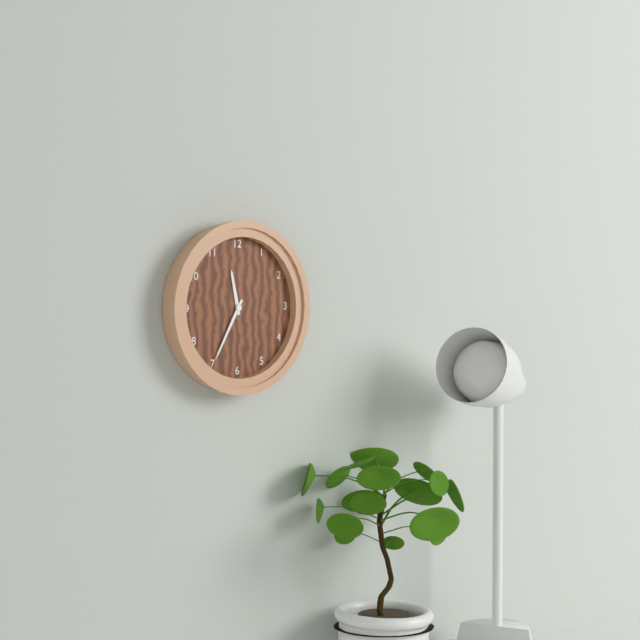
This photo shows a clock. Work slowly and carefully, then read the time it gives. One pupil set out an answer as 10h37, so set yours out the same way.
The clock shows 11h35
